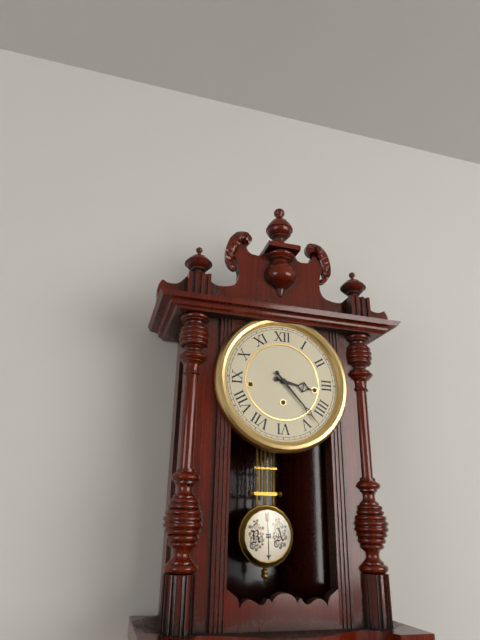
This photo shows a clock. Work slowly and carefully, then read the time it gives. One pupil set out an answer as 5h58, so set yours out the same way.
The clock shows 3h23
